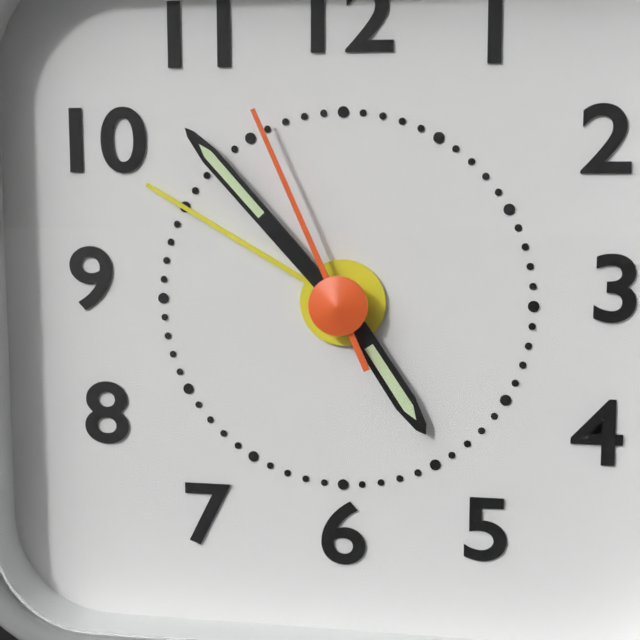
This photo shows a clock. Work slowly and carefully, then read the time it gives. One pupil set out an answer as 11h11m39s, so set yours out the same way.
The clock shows 4h53m56s
